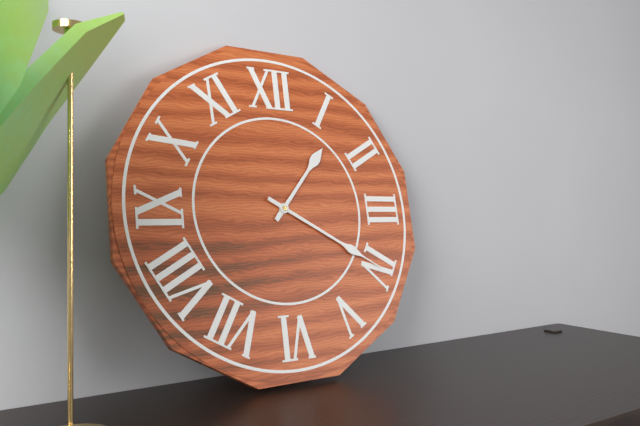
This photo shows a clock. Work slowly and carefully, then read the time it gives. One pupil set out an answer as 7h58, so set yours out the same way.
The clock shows 1h20
